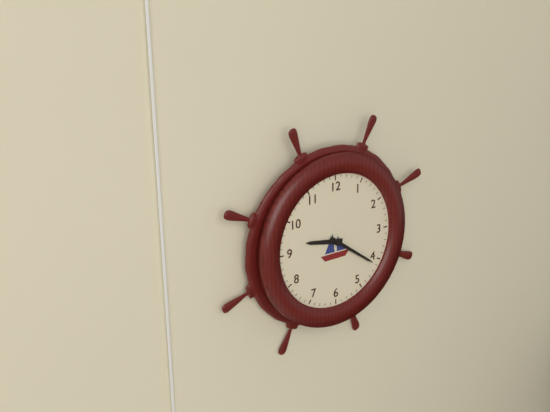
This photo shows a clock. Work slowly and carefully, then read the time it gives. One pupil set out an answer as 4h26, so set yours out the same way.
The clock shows 9h21
